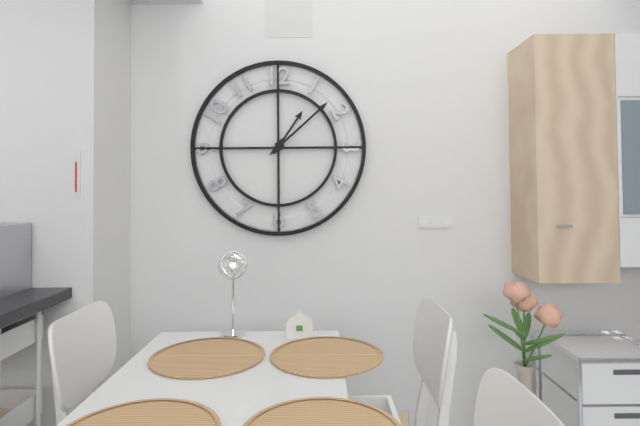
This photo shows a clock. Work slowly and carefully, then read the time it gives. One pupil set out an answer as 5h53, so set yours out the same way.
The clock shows 1h08
